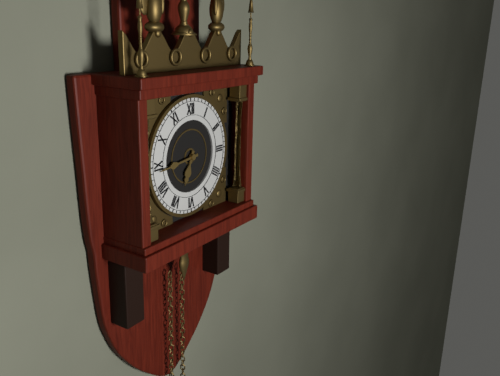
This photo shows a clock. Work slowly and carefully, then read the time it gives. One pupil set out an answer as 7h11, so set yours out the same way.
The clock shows 6h44
